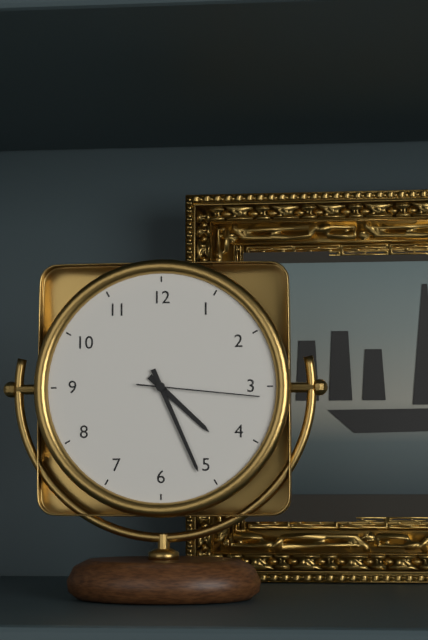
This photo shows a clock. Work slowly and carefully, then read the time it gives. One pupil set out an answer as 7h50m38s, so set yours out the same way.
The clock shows 4h26m16s
